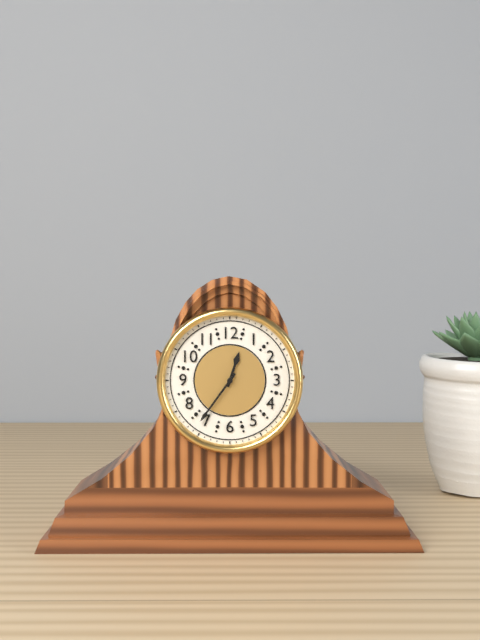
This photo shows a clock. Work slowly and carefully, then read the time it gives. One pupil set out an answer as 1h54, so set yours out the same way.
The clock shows 12h36
